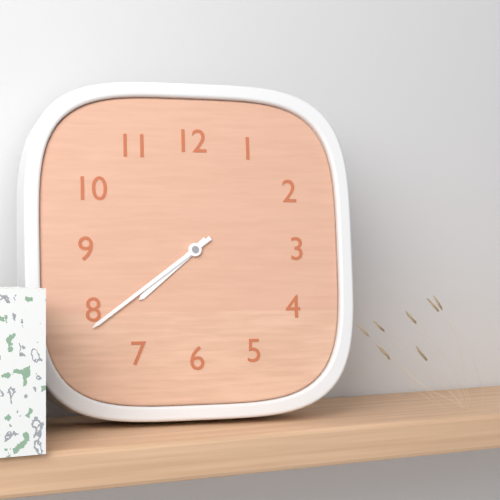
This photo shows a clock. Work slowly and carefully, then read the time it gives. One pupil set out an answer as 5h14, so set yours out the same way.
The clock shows 7h39
